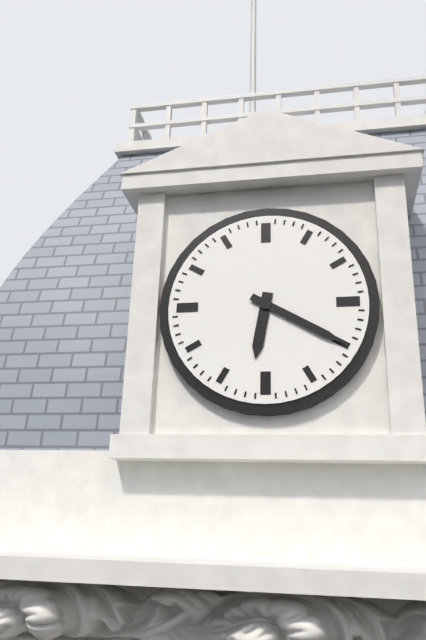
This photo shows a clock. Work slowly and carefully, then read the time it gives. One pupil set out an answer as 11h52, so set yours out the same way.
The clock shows 6h20
